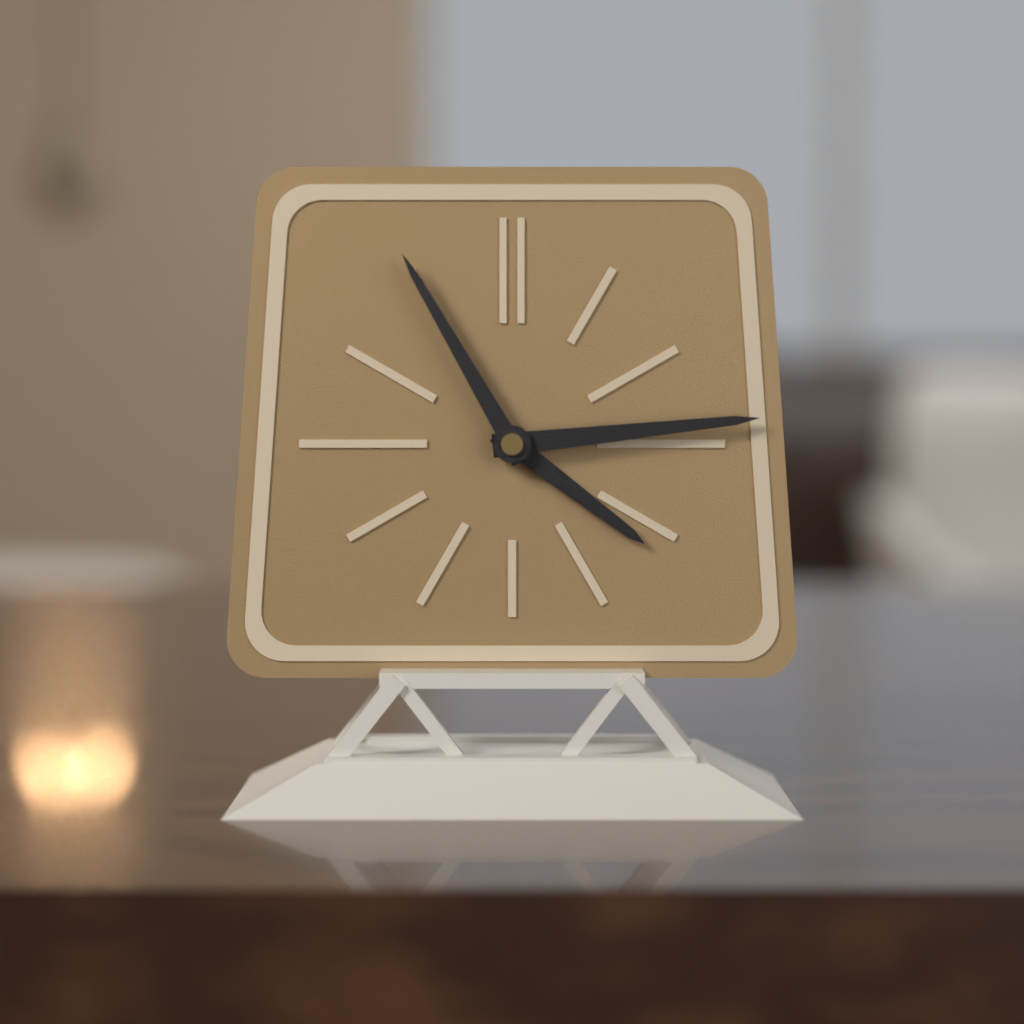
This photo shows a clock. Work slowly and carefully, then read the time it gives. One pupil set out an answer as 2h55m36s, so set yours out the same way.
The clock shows 4h14m55s
